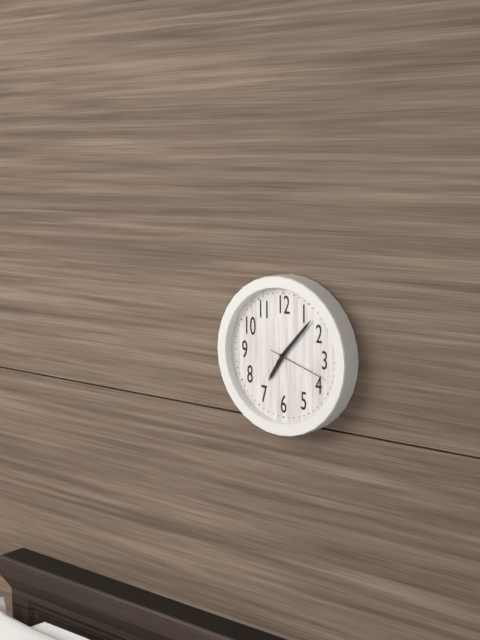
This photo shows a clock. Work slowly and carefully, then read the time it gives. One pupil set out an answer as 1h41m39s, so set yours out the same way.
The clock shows 7h07m18s
